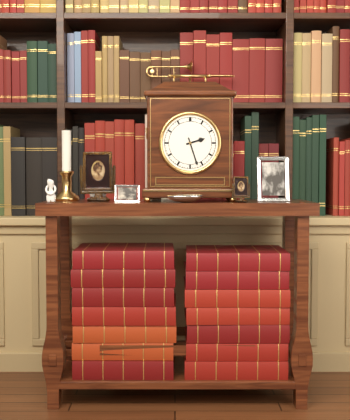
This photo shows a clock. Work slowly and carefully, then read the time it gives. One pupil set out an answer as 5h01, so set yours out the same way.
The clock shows 2h27
